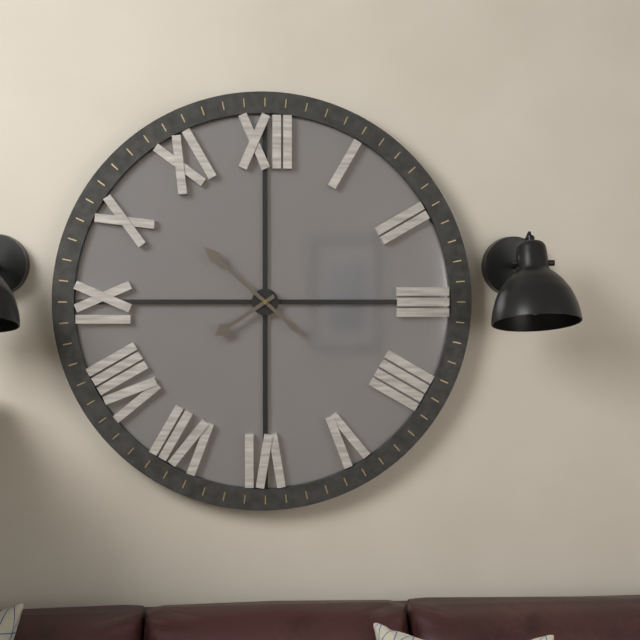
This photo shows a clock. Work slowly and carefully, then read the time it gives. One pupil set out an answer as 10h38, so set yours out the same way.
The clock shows 7h52
